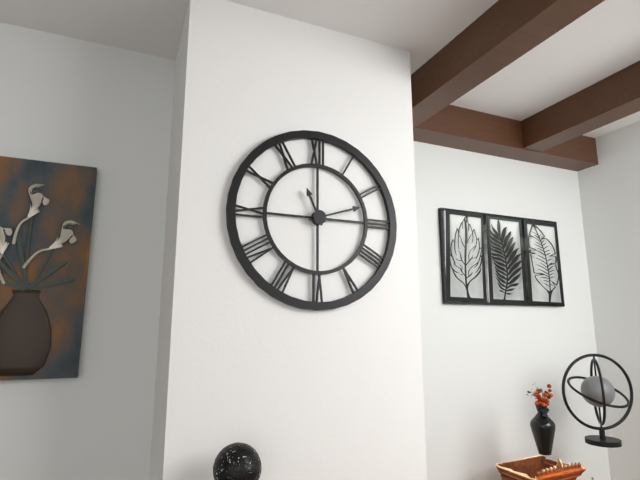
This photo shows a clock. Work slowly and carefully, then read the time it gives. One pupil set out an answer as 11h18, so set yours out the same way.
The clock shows 11h12
